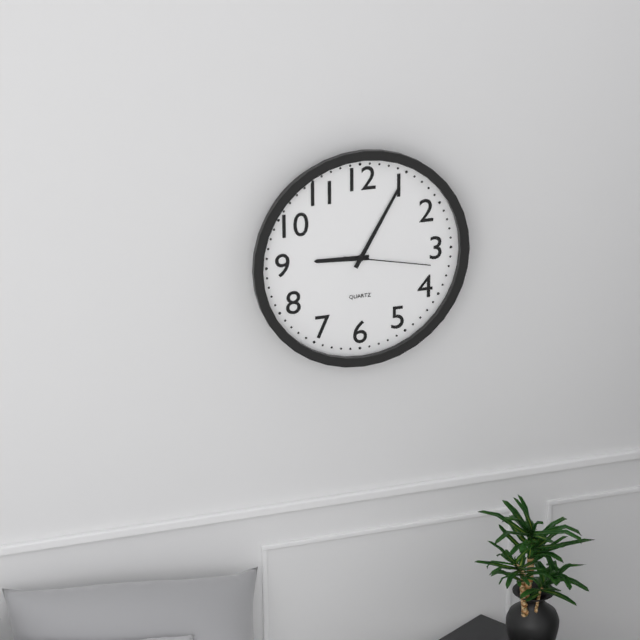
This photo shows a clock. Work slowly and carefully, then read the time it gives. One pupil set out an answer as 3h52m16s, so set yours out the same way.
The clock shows 9h05m17s
